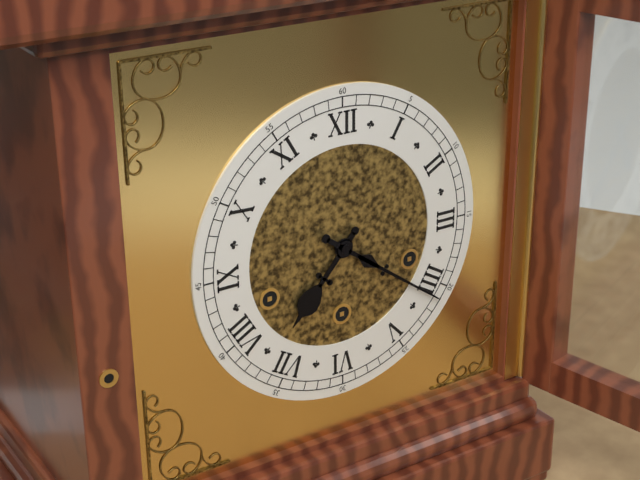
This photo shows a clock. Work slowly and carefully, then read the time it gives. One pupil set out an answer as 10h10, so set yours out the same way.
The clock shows 7h21
